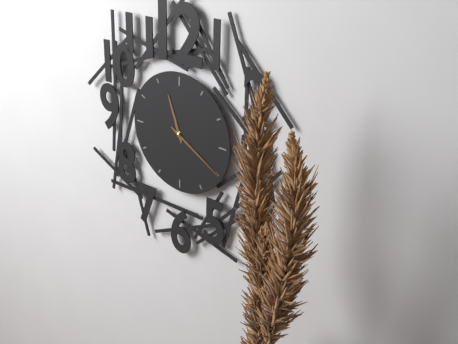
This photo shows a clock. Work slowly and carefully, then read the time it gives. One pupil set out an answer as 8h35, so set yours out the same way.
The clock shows 11h20
